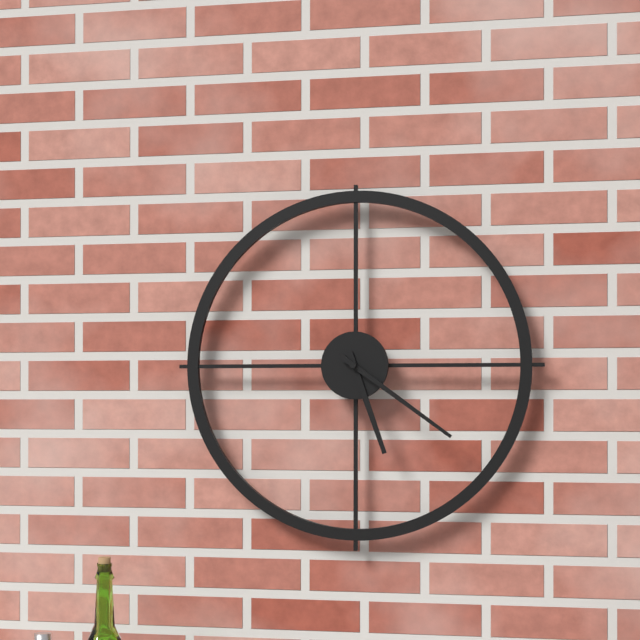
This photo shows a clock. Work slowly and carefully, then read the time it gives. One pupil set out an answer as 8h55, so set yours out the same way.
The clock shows 5h21
